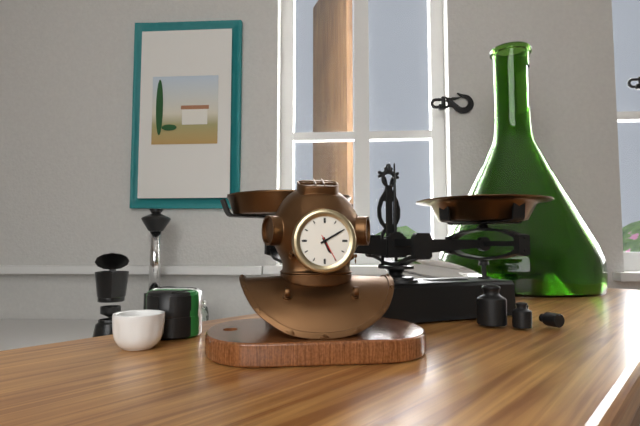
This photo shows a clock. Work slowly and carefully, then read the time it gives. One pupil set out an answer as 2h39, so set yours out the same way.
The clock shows 5h10
